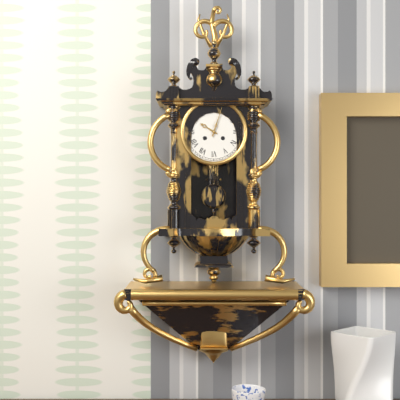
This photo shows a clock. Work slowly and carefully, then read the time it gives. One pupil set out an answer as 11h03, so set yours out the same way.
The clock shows 10h03
